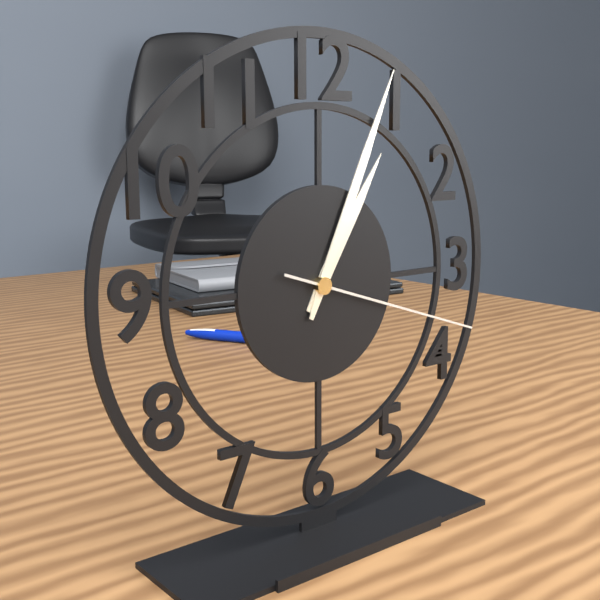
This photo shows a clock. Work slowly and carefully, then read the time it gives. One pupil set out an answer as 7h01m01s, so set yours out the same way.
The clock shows 1h04m18s
